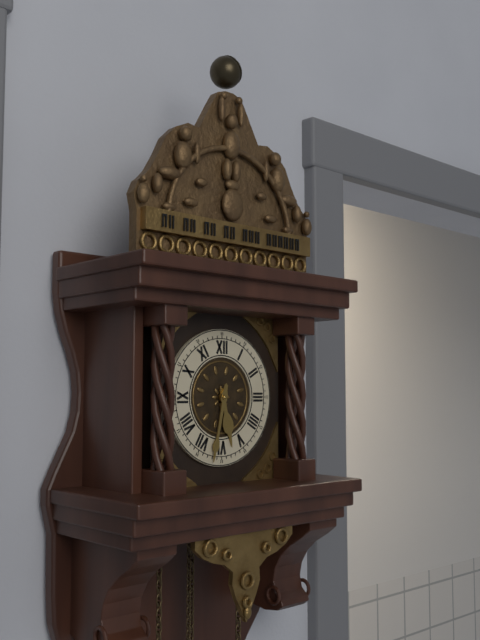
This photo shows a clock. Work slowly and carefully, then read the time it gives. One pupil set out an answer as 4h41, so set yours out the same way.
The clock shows 5h32
